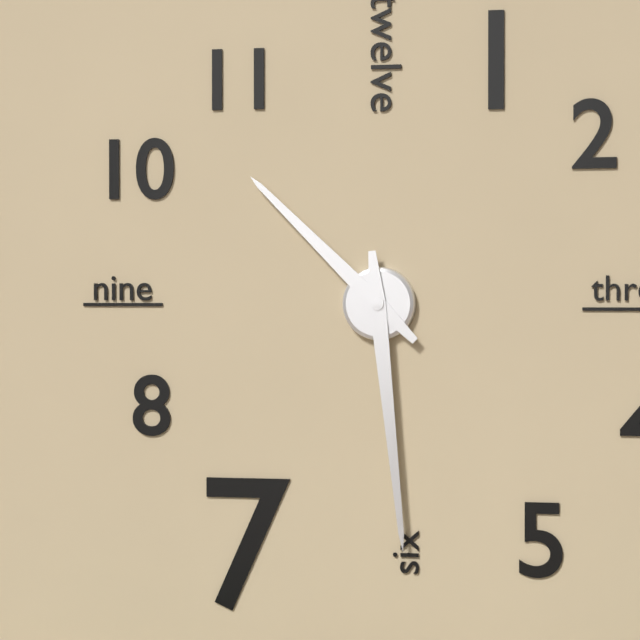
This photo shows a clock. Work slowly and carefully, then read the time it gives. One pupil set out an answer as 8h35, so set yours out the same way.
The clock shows 10h29
